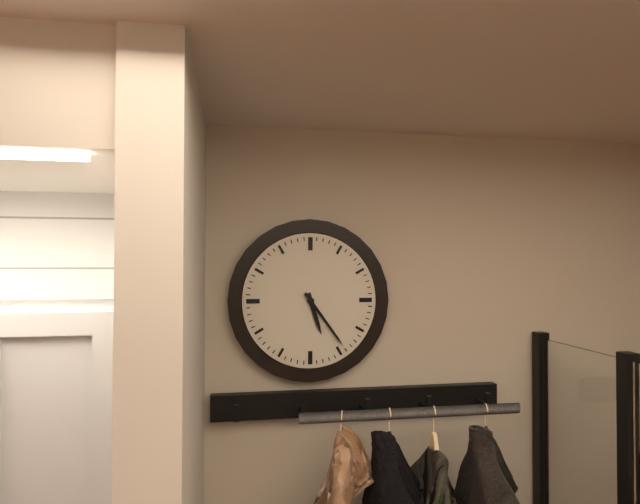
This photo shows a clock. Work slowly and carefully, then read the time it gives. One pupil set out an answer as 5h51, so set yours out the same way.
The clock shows 5h24
